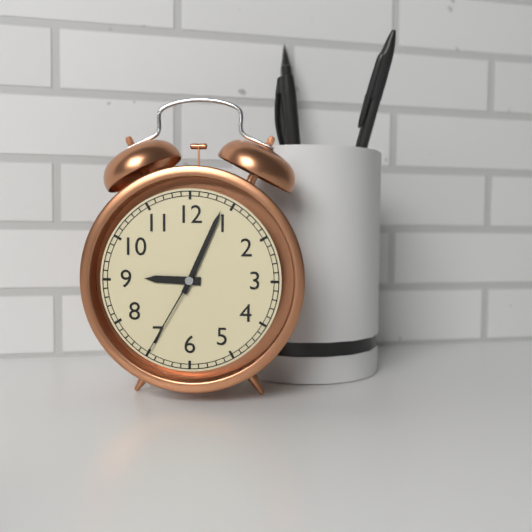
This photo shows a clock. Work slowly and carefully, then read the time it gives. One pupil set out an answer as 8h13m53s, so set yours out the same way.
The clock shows 9h04m35s
